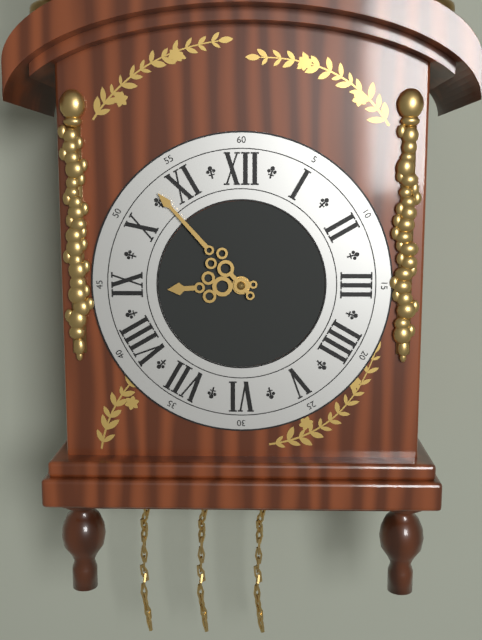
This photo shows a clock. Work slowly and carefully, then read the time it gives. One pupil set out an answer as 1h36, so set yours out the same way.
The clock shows 8h53
